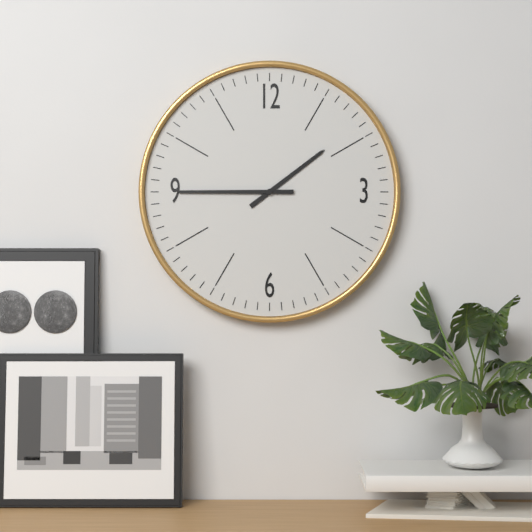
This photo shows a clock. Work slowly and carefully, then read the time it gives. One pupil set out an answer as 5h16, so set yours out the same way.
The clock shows 1h45
